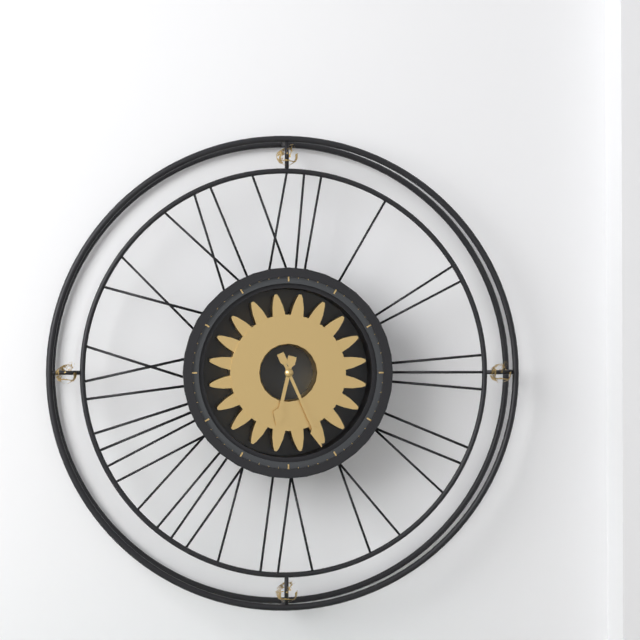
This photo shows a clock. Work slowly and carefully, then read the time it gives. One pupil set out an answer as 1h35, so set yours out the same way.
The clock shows 6h26
